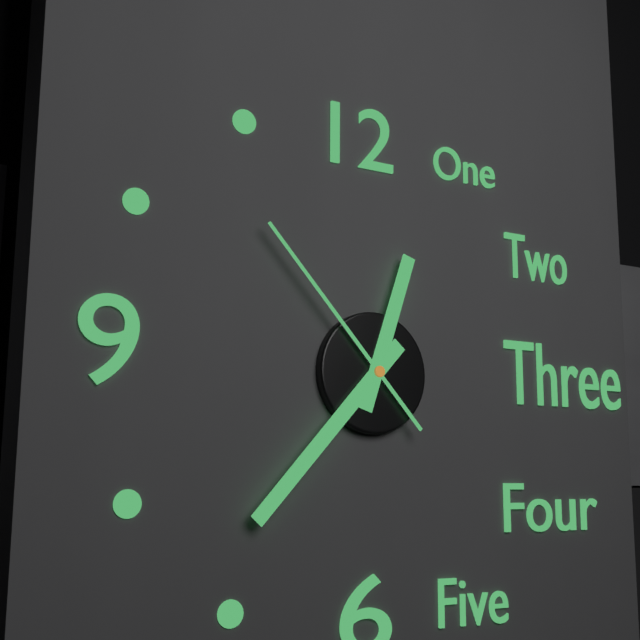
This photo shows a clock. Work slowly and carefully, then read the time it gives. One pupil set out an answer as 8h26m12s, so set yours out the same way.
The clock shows 12h37m53s
